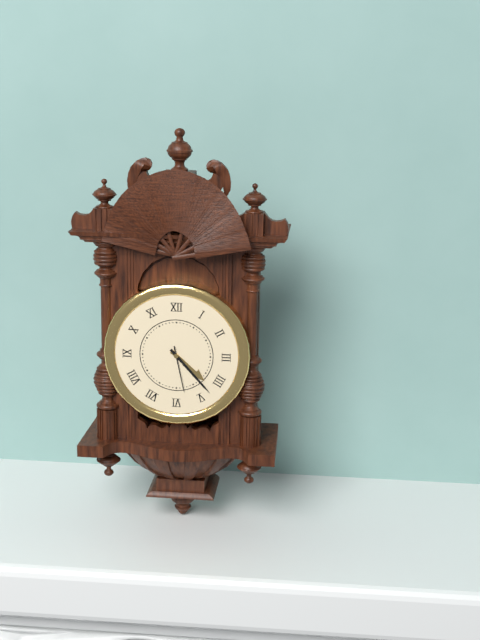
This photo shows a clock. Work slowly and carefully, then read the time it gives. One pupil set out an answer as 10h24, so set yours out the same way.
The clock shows 4h23
